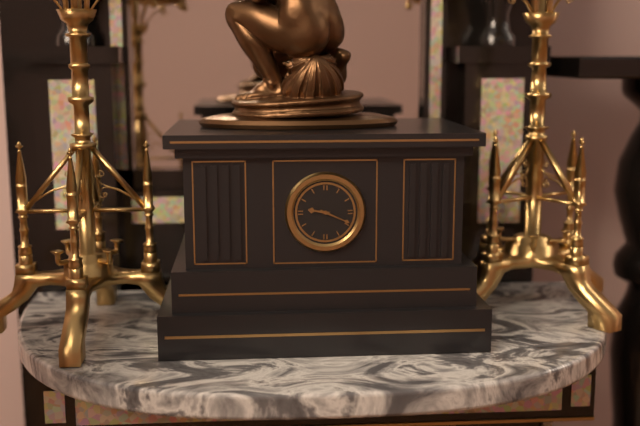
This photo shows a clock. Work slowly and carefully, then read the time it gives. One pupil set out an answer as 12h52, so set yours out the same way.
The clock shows 9h19
